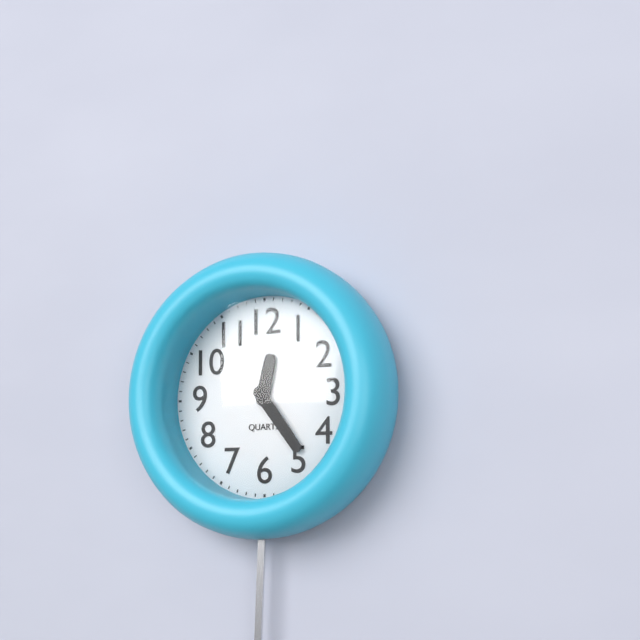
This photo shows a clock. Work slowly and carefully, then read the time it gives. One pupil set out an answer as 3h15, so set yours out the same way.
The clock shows 12h24
